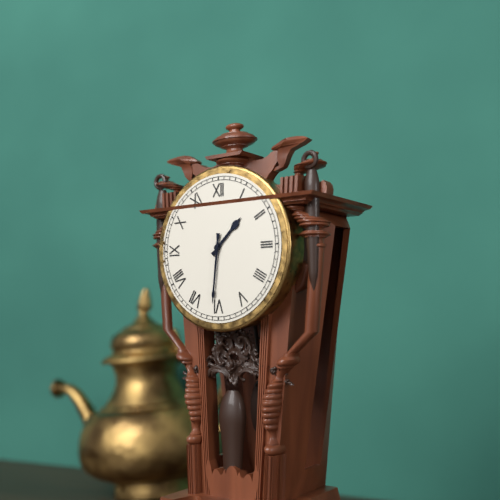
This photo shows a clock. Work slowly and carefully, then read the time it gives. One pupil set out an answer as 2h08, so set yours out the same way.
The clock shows 1h31
